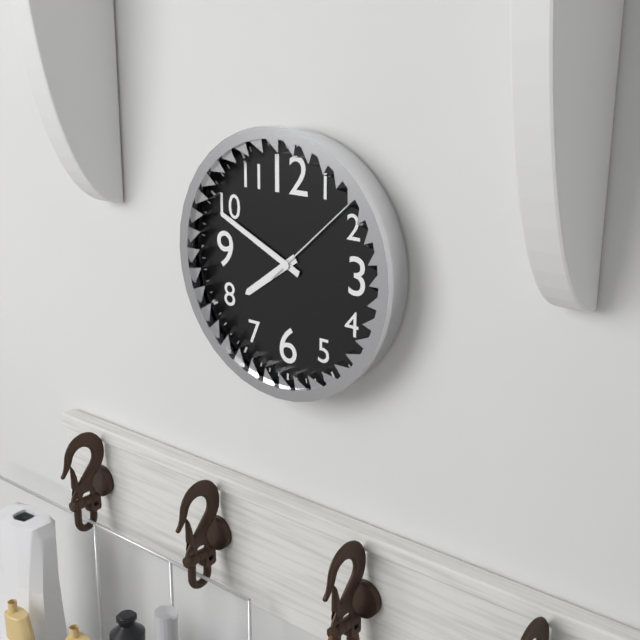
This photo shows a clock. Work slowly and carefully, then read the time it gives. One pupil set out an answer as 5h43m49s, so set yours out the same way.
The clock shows 7h49m08s
